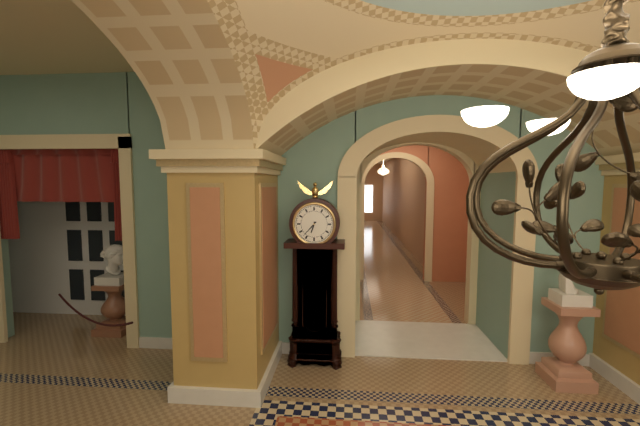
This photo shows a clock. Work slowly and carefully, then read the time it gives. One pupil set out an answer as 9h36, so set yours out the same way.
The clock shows 6h37
